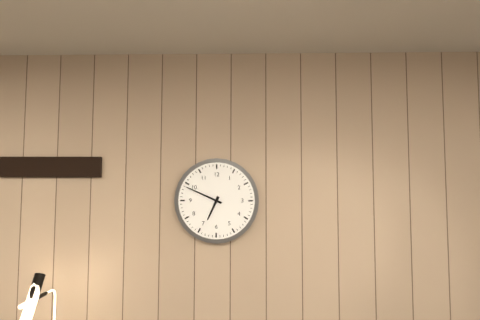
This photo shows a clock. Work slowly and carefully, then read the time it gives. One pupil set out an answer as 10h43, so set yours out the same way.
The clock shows 6h49
